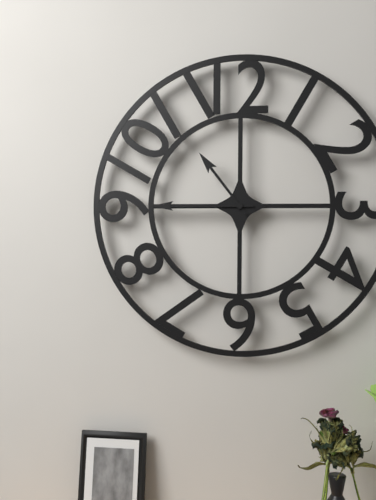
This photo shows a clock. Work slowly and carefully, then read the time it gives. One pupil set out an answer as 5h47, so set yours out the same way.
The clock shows 10h45
